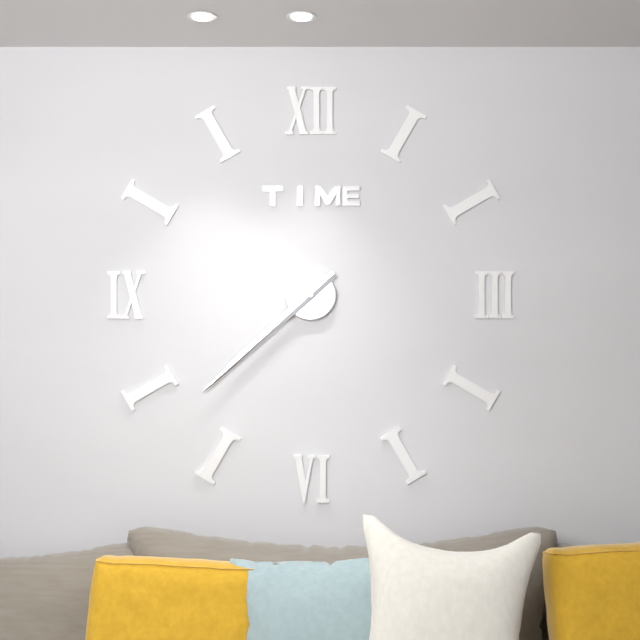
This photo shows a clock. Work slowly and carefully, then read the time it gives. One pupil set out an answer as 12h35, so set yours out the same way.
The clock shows 7h38
